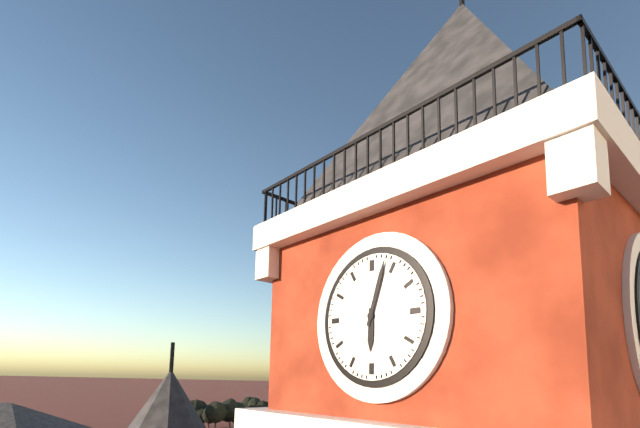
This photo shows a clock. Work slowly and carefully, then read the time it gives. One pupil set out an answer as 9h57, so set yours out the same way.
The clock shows 6h03
